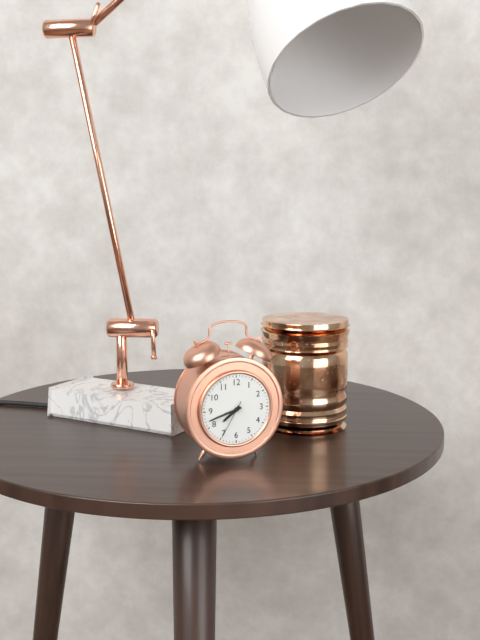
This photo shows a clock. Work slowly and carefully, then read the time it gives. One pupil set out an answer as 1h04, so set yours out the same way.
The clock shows 7h42
